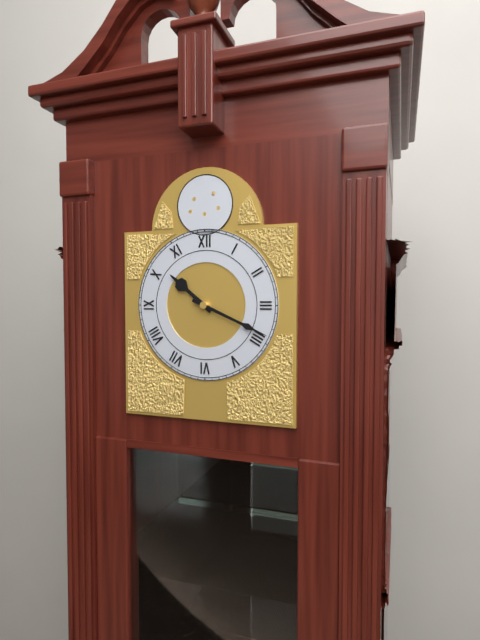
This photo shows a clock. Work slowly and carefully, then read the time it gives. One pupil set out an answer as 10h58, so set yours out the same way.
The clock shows 10h19
